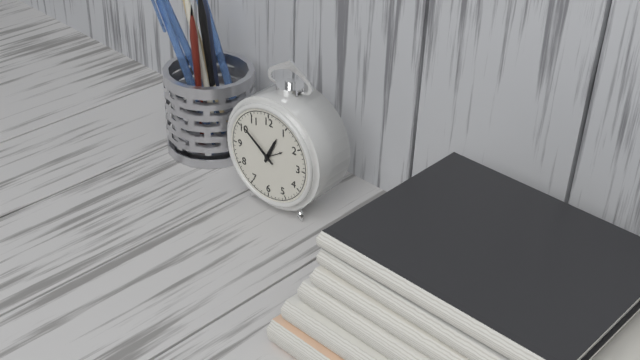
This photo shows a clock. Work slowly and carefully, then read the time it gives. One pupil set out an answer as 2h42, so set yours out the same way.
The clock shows 12h51
